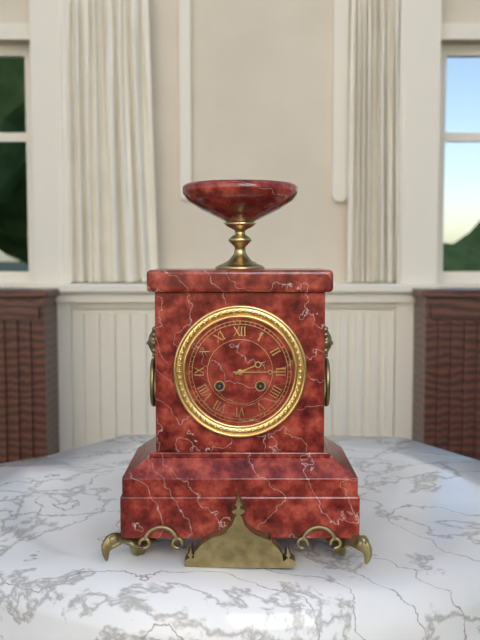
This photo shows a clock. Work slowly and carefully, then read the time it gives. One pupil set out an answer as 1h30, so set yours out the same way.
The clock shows 2h15
